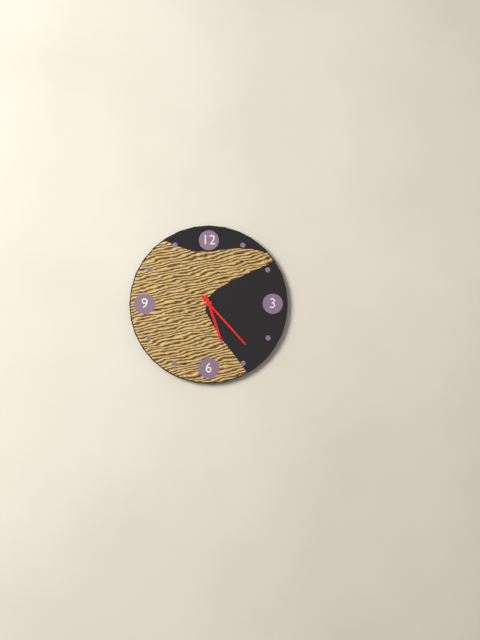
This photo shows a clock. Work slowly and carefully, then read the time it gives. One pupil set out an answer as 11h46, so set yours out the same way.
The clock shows 5h23
